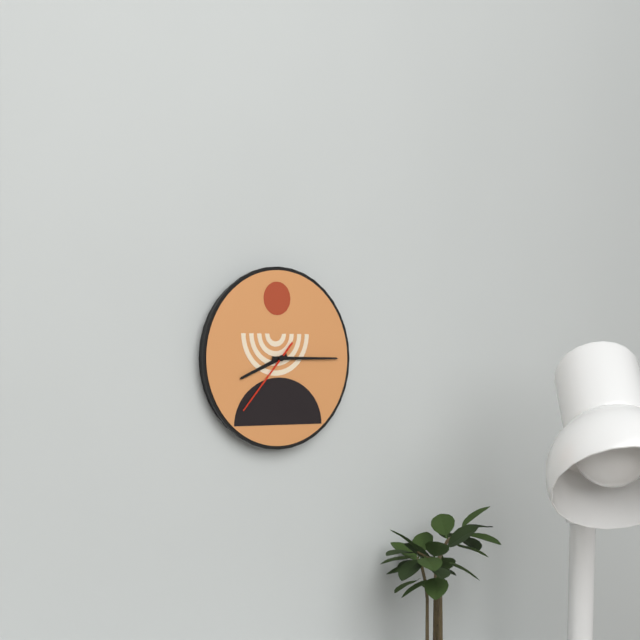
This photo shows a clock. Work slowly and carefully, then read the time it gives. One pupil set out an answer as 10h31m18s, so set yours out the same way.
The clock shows 8h15m37s
